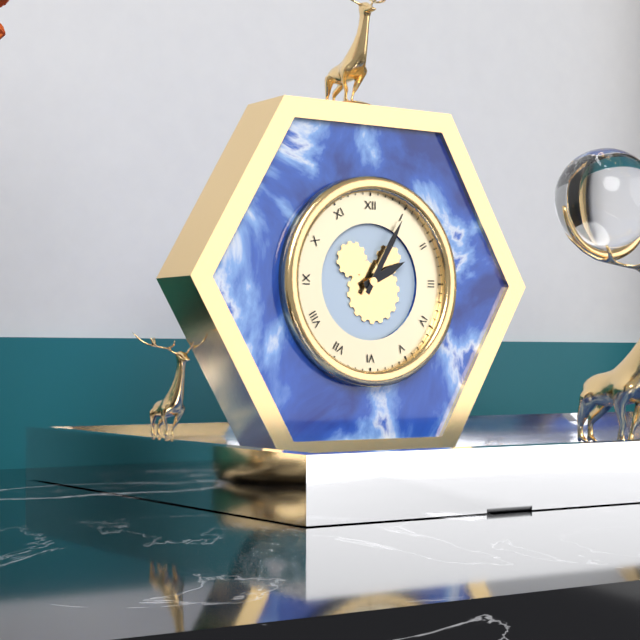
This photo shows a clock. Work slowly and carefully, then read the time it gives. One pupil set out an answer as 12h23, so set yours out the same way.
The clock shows 2h05
